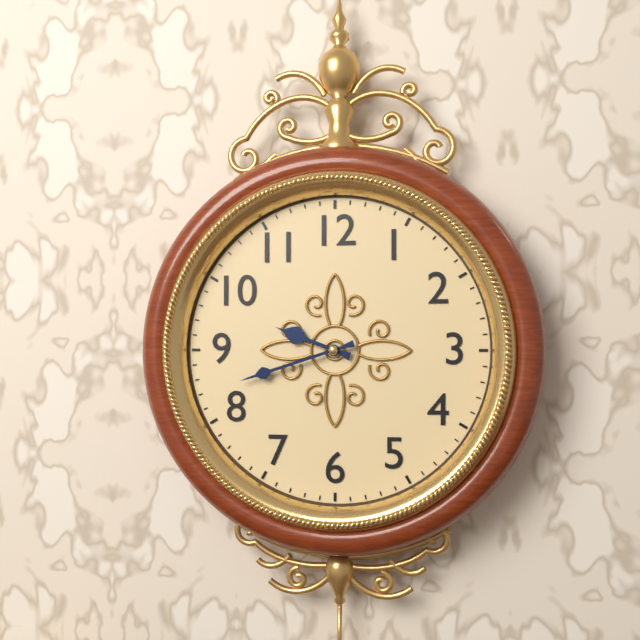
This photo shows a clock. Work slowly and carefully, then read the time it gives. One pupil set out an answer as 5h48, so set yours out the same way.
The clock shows 9h42
